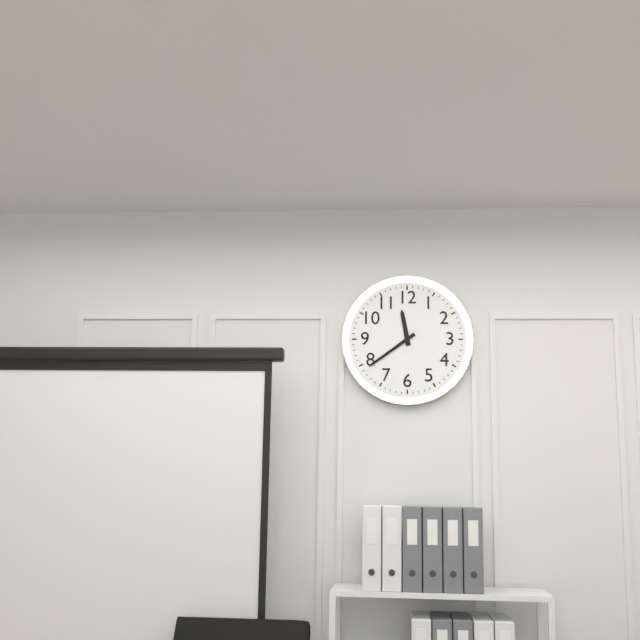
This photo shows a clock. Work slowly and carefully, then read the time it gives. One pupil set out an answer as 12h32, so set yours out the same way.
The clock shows 11h39
